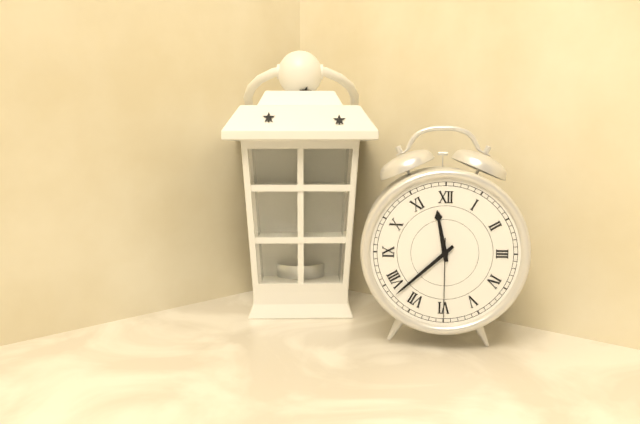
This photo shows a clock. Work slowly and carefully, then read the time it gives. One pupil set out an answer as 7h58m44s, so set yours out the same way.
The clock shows 11h38m30s
